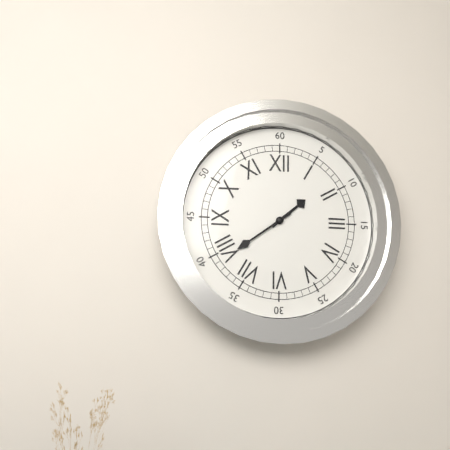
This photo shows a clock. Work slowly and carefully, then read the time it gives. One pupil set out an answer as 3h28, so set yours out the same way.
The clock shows 1h39
